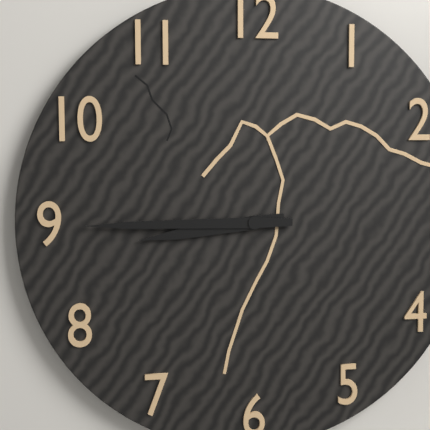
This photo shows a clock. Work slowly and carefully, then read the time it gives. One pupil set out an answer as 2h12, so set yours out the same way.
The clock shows 8h45
